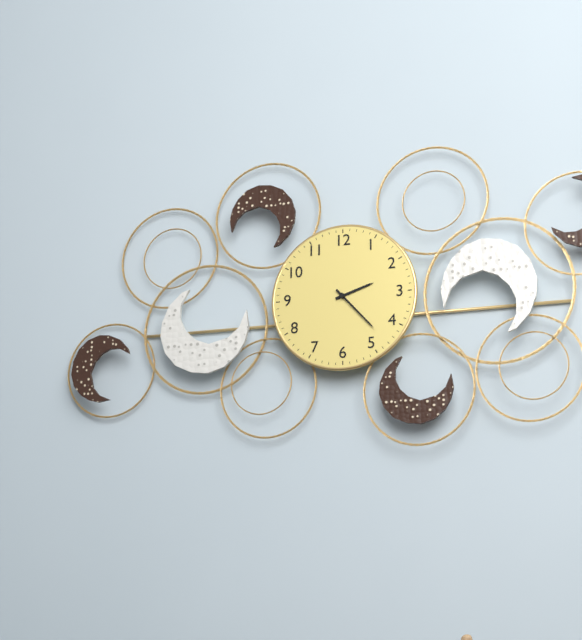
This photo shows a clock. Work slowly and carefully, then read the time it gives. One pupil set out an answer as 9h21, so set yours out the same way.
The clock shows 2h23
